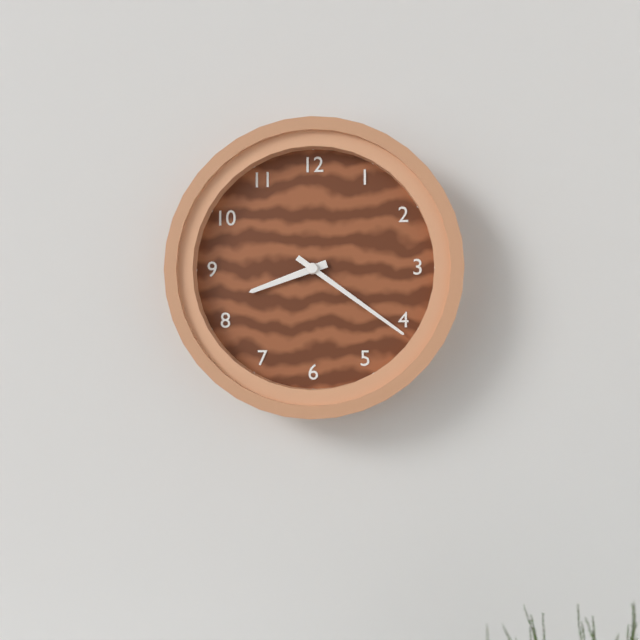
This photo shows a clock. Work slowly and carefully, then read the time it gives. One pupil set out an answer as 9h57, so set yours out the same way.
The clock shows 8h21
